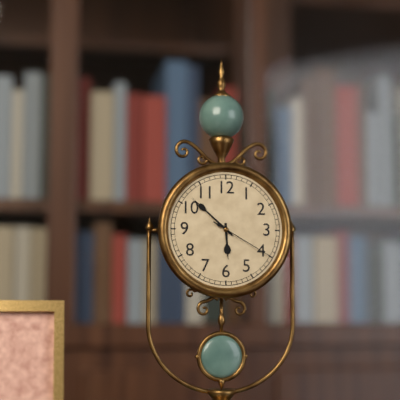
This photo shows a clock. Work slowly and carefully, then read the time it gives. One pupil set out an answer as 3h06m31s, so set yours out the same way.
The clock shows 5h52m20s
